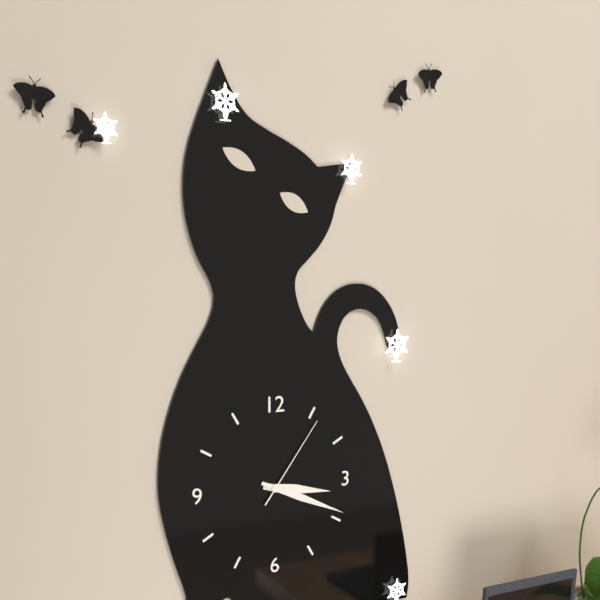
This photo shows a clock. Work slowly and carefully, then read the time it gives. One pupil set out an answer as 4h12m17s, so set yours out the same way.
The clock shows 3h19m06s
